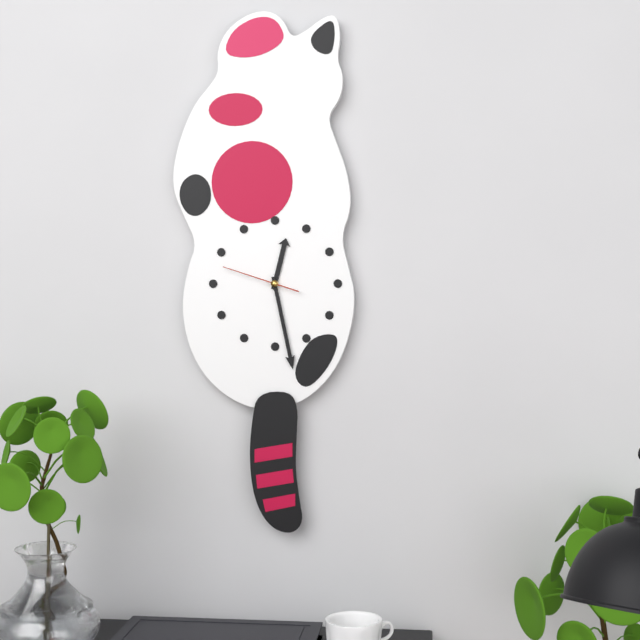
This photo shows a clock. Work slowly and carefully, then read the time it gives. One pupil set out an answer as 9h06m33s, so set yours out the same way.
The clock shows 12h28m48s
